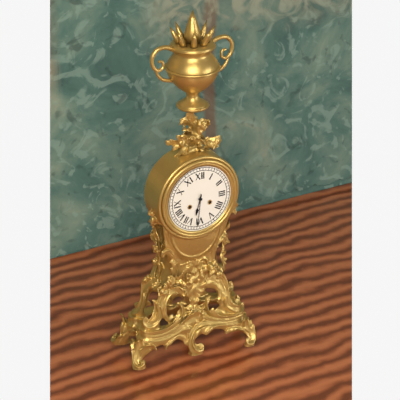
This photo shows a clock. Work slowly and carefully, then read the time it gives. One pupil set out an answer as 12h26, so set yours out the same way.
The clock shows 6h31
